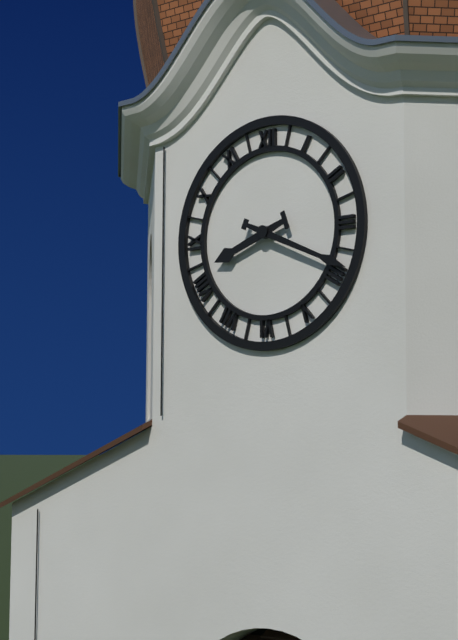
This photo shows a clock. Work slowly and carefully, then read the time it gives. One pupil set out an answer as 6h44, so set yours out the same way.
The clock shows 8h19
